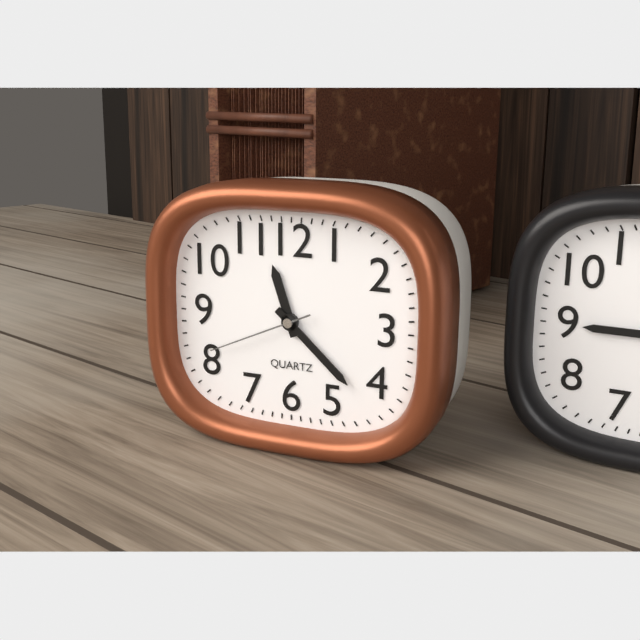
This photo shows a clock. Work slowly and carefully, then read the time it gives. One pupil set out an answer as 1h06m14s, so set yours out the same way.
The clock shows 11h22m41s
